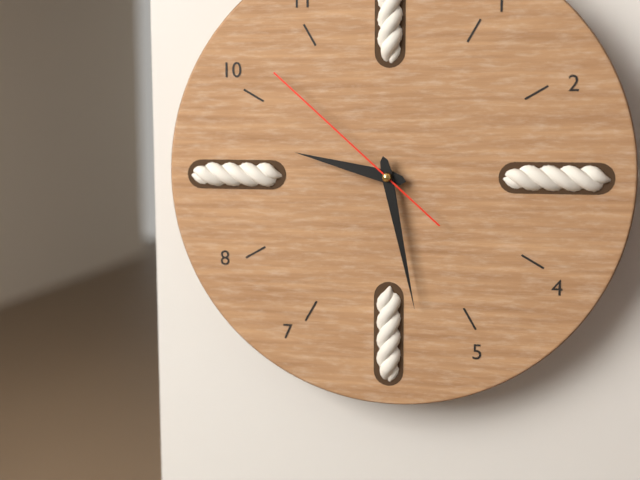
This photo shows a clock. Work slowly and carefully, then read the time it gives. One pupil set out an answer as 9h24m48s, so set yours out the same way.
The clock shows 9h28m52s
